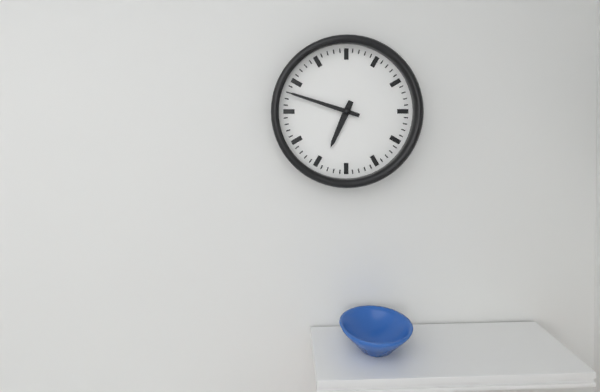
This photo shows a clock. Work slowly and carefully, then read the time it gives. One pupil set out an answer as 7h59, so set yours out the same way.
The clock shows 6h48
